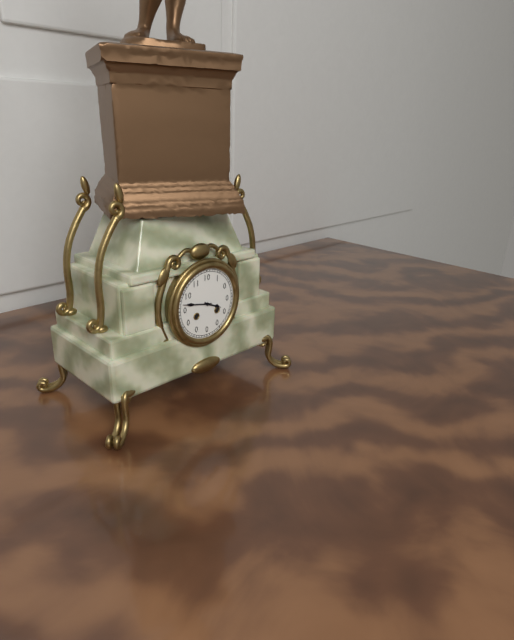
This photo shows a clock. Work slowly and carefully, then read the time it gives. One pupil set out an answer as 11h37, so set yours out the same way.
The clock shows 3h47
